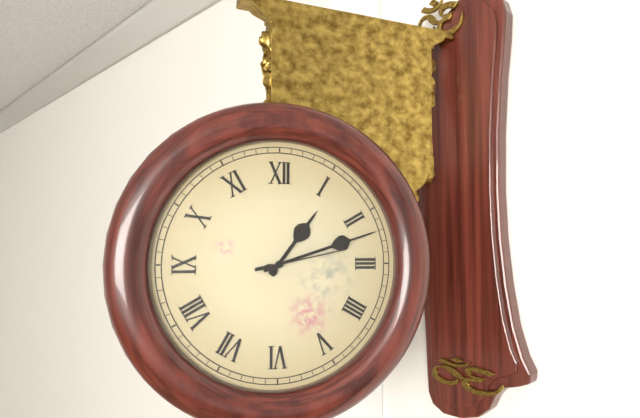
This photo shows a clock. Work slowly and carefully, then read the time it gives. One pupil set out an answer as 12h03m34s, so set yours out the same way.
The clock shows 1h12m13s
